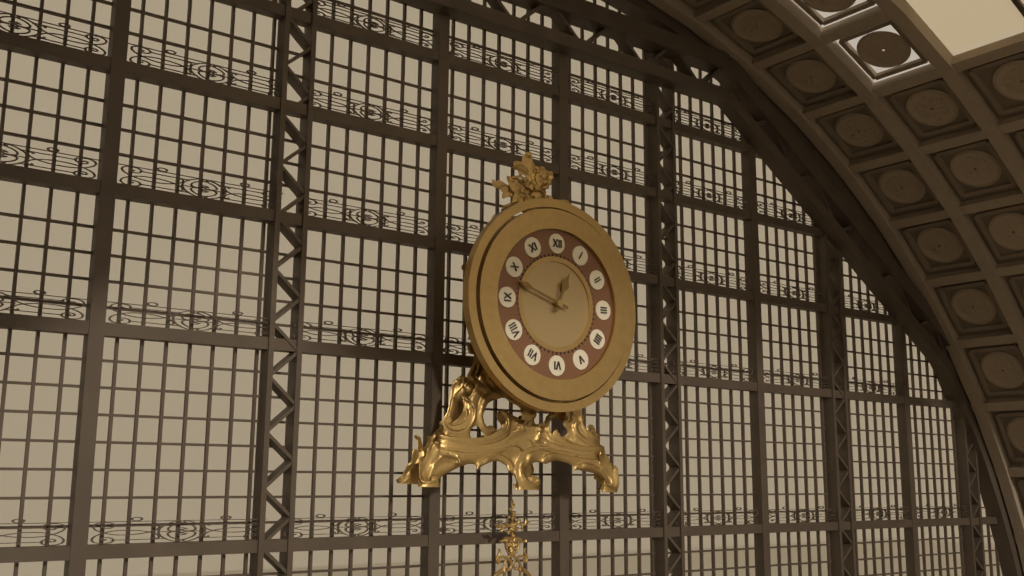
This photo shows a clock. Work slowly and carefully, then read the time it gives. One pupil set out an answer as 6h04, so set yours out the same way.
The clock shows 12h48
